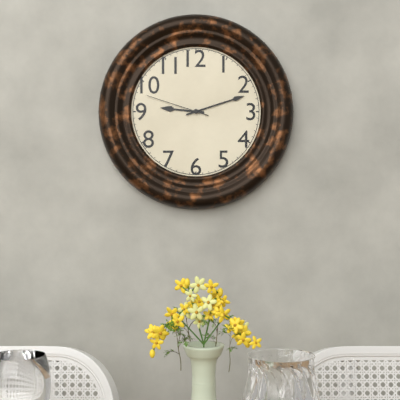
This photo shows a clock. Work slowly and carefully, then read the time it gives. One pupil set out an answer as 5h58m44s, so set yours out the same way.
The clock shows 9h12m48s
